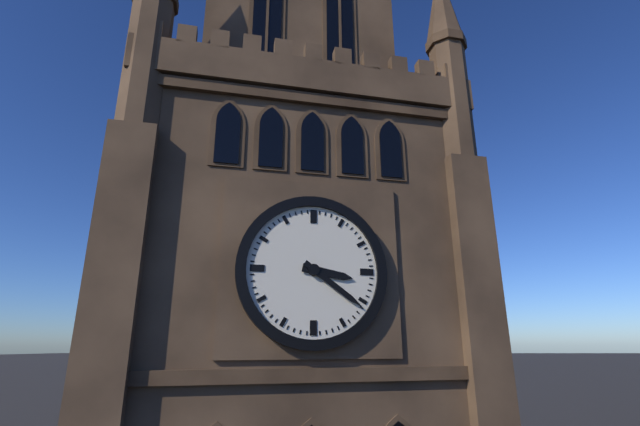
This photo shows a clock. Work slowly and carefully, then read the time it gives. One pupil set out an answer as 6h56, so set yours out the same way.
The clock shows 3h21
